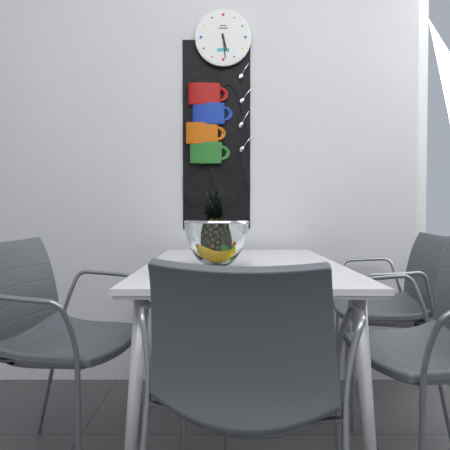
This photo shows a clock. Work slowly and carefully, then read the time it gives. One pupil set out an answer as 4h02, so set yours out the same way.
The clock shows 5h29
